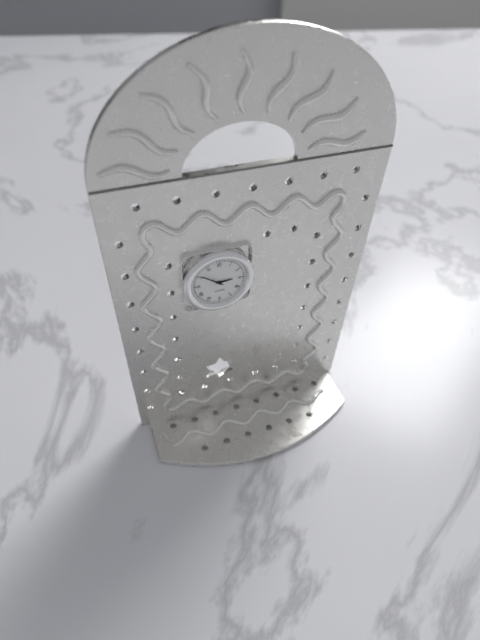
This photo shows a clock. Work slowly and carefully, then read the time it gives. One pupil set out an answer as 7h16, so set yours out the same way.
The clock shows 2h51
